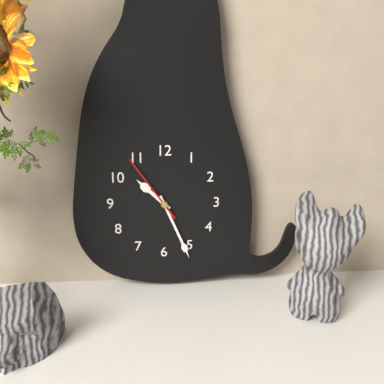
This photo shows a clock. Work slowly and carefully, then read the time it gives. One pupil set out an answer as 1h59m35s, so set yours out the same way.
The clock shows 10h26m54s
